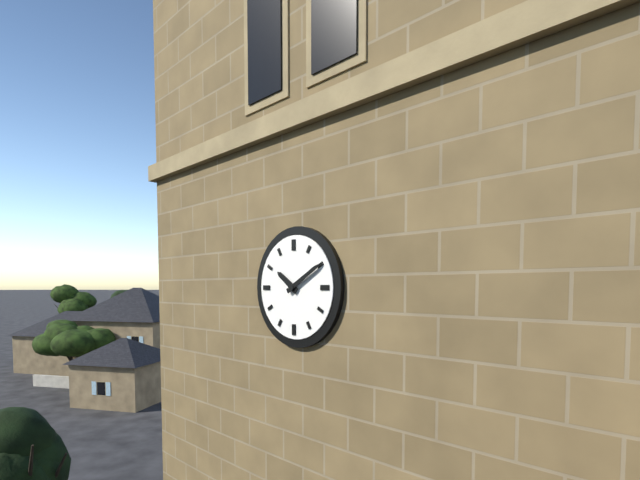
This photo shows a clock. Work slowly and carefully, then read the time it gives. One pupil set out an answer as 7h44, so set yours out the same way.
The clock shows 10h10
